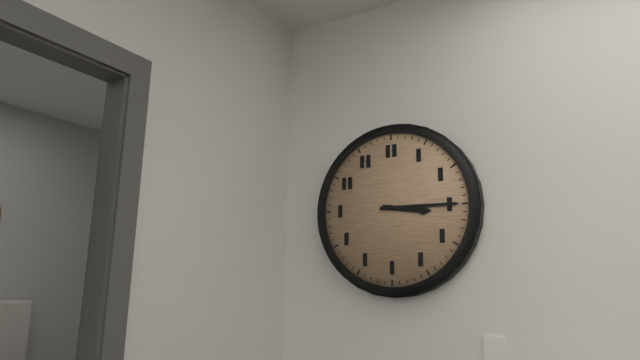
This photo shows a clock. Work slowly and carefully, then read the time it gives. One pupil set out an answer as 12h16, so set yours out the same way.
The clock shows 3h15
